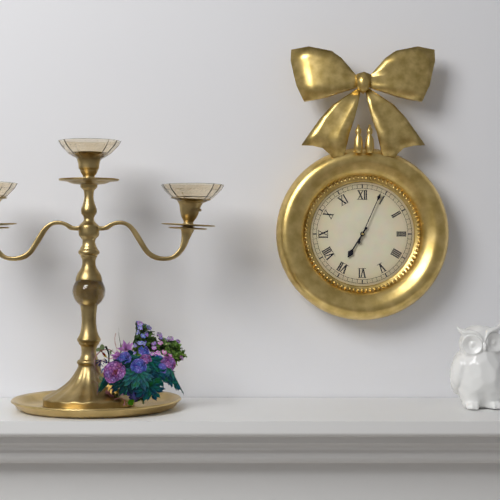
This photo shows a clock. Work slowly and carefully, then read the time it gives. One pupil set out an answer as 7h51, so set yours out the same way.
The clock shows 7h04
